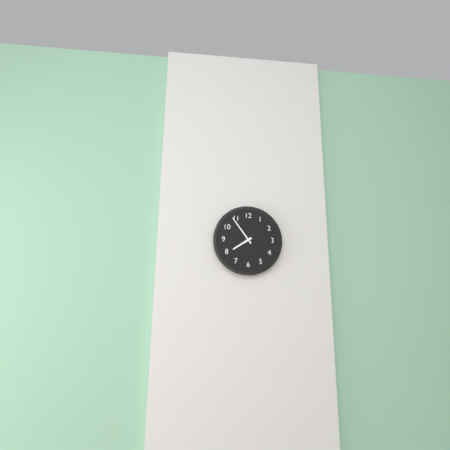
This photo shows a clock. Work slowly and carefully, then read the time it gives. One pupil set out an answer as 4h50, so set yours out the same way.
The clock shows 7h54
